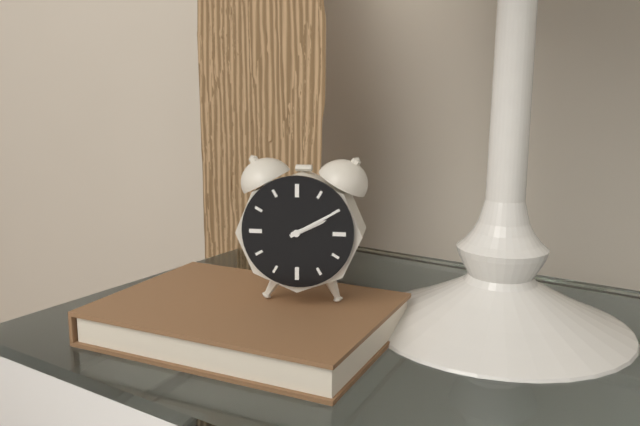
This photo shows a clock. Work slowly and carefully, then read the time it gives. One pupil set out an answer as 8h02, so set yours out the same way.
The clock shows 2h10
